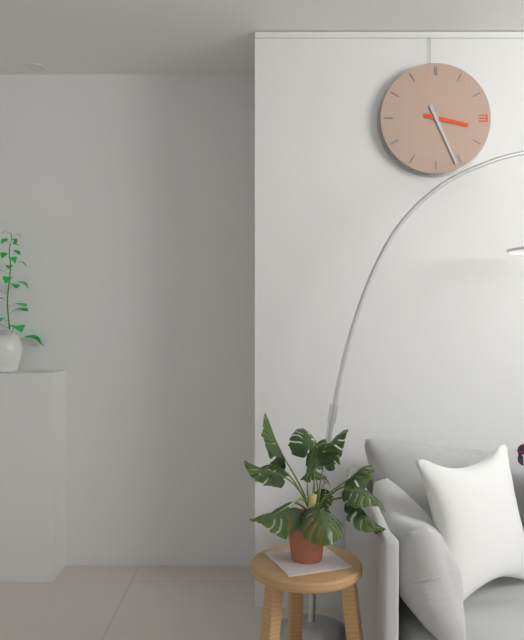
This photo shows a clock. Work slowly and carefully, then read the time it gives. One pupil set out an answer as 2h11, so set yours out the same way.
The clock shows 3h26
